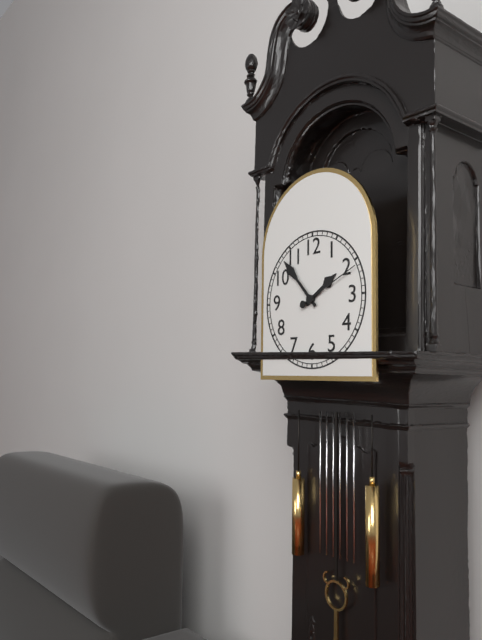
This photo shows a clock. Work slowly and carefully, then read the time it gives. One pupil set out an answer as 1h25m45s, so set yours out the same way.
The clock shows 1h53m11s
